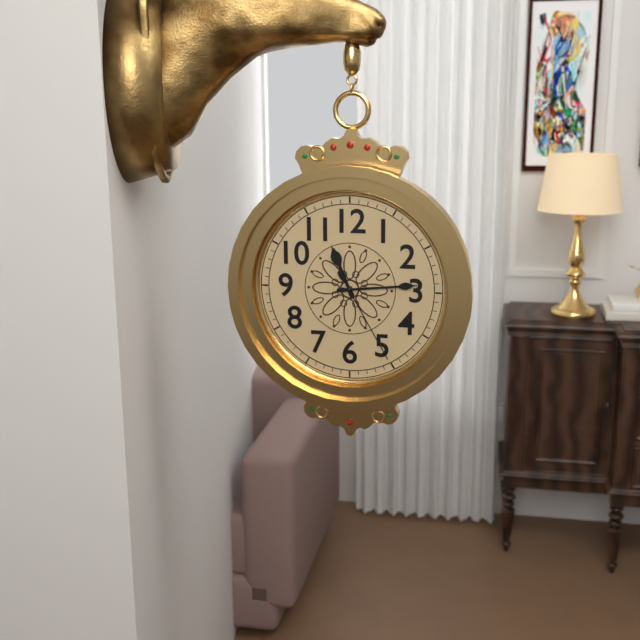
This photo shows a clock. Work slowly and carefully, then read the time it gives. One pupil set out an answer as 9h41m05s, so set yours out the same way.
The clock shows 11h14m25s
